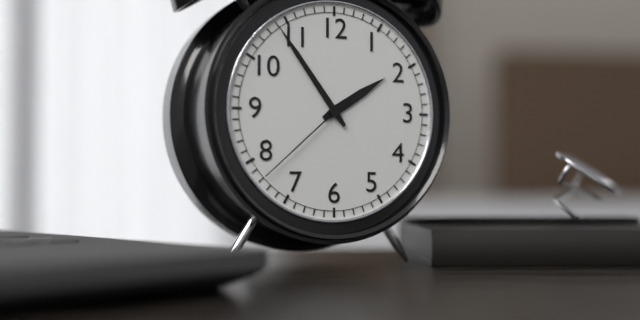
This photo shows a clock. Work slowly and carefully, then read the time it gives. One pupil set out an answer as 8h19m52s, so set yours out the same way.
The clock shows 1h54m38s
